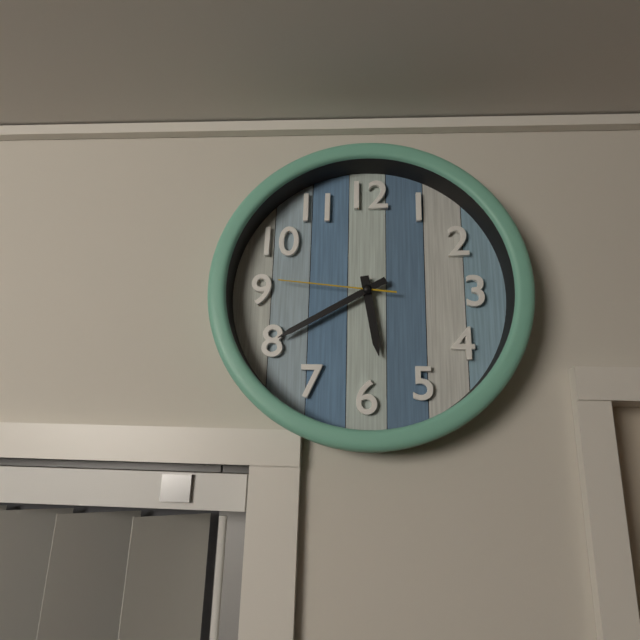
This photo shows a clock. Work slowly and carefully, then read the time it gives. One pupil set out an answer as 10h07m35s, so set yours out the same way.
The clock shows 5h40m46s
